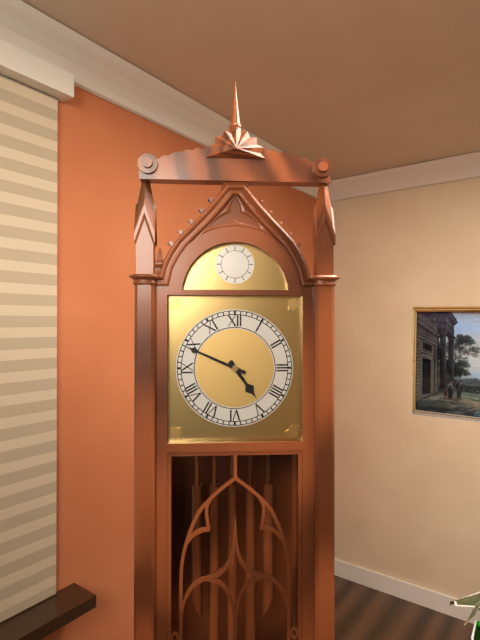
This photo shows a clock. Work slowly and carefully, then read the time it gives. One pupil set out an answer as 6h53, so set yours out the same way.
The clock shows 4h49
